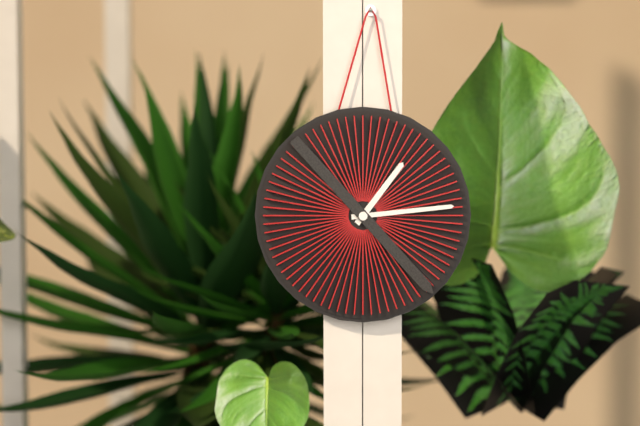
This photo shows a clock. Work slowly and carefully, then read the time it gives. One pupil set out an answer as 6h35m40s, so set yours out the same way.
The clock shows 1h14m23s
